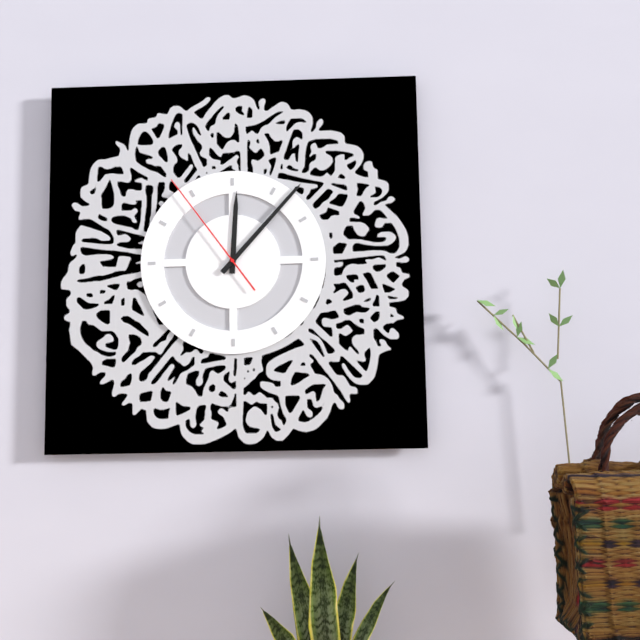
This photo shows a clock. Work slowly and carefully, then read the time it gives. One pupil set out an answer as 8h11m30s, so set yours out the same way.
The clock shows 12h07m54s
